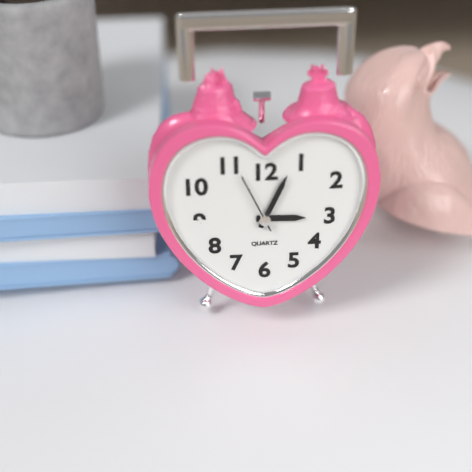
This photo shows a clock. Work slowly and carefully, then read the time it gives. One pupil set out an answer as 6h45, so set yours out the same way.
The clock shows 3h04
